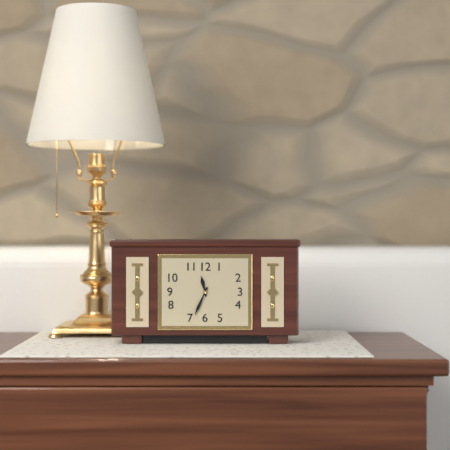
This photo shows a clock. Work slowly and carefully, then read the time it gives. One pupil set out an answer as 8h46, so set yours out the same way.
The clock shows 11h34
